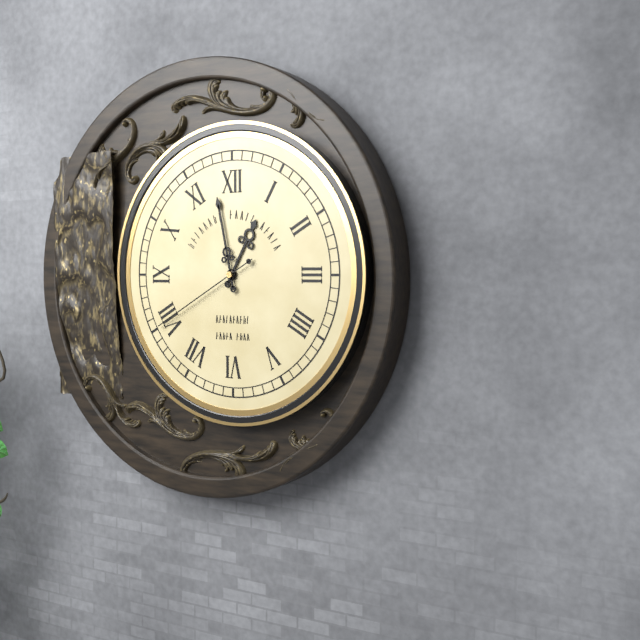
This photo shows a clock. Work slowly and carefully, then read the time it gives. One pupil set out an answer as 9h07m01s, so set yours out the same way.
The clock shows 12h58m40s
